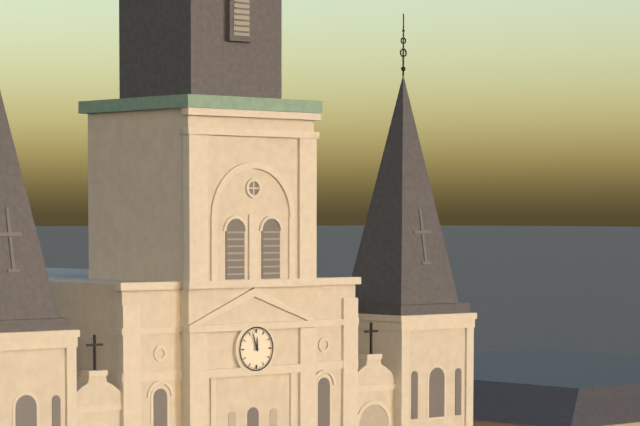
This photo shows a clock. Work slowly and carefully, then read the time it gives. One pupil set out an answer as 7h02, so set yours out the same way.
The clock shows 11h57
